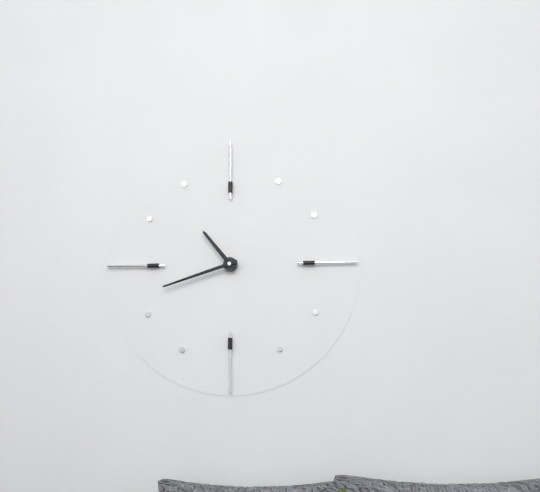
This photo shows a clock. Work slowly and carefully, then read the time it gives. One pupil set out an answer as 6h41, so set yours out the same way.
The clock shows 10h42
